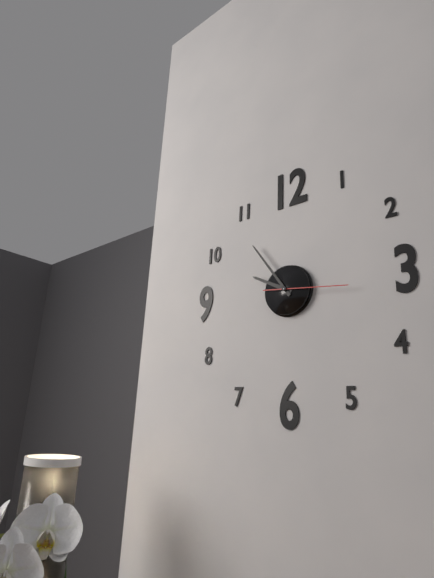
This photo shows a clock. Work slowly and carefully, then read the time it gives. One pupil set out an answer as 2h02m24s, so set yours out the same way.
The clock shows 9h54m16s
